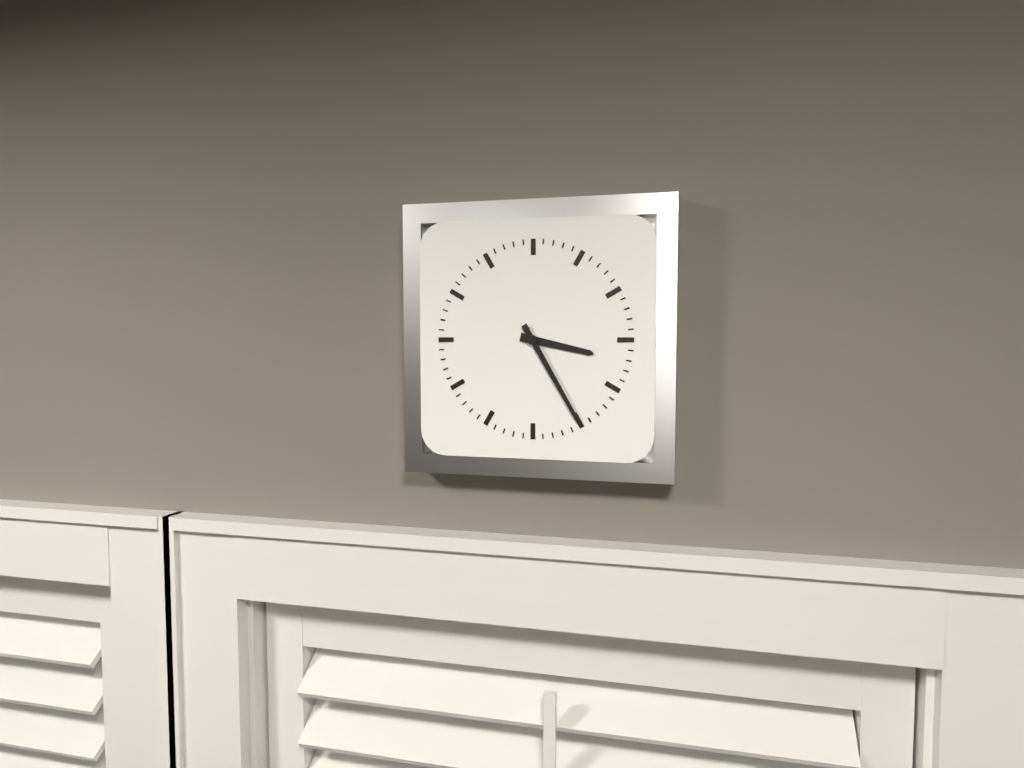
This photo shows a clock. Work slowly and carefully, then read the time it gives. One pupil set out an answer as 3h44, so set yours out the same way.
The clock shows 3h25
